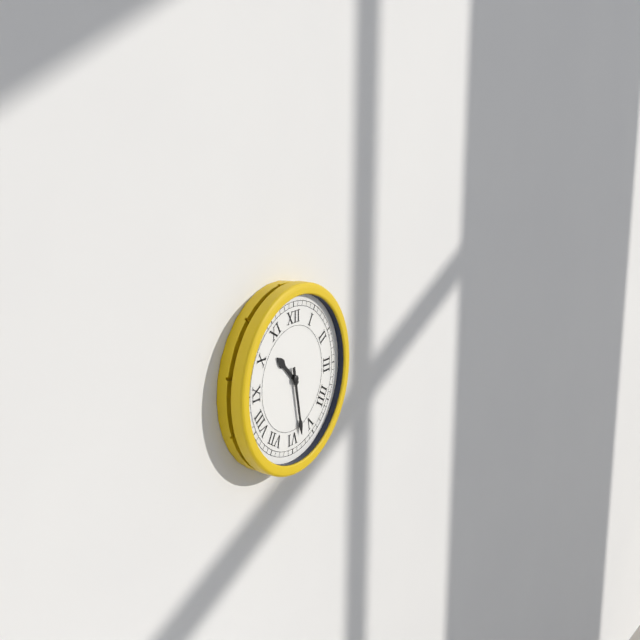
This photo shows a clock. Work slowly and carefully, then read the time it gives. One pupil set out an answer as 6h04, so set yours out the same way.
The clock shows 10h28
